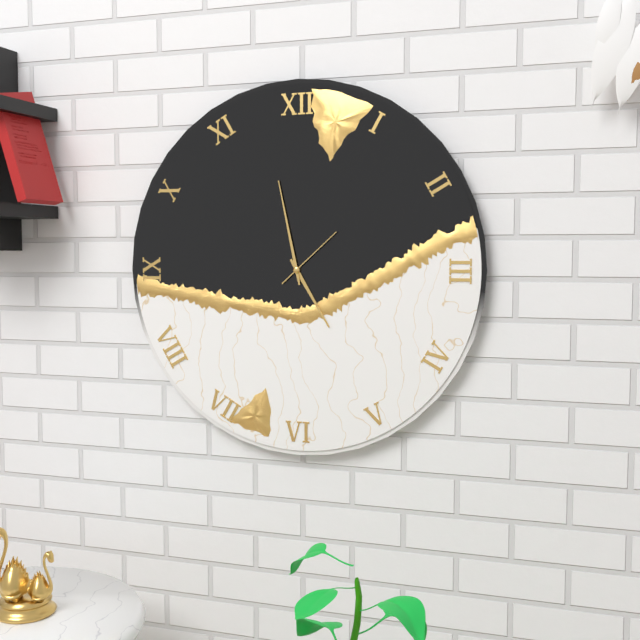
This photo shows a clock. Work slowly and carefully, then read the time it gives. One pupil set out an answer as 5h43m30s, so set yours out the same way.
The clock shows 4h58m08s
